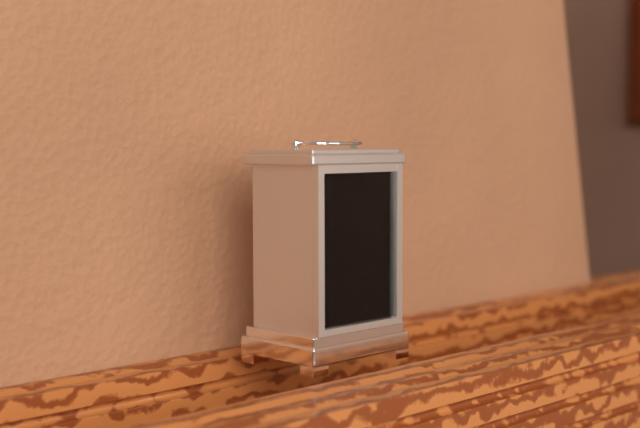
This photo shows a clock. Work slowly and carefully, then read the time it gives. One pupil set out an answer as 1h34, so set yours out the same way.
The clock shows 10h11
